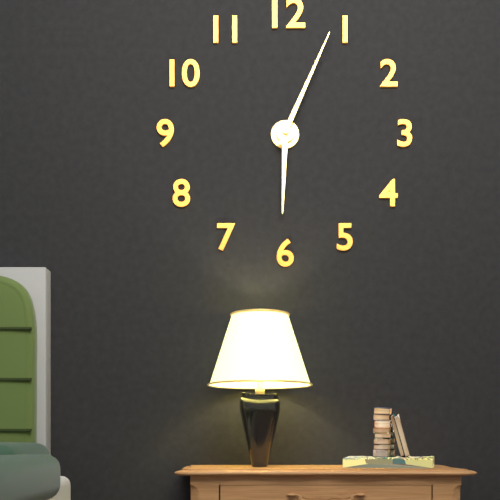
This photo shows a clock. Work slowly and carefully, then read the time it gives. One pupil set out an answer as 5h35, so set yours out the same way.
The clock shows 6h04
